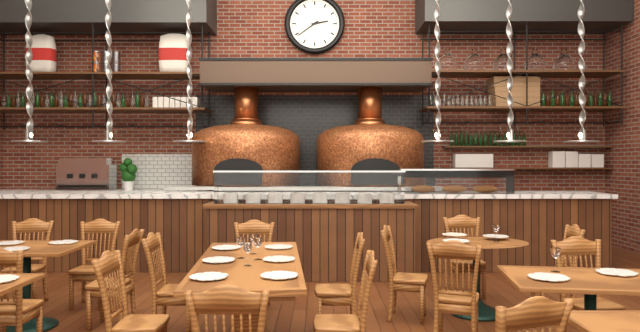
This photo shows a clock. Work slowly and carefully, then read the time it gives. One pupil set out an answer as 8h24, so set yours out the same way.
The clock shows 2h39
